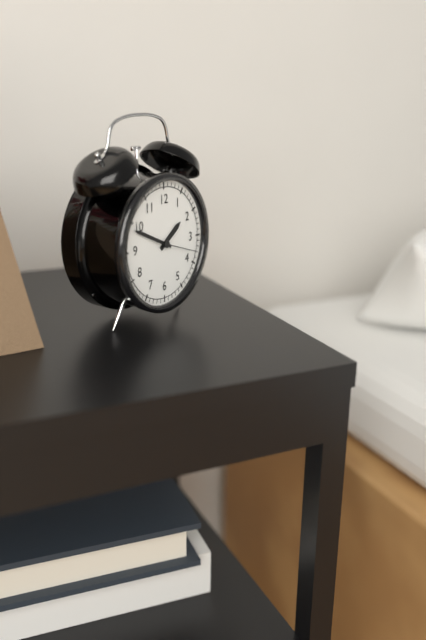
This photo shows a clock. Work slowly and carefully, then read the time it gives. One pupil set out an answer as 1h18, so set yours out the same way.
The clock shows 1h49
